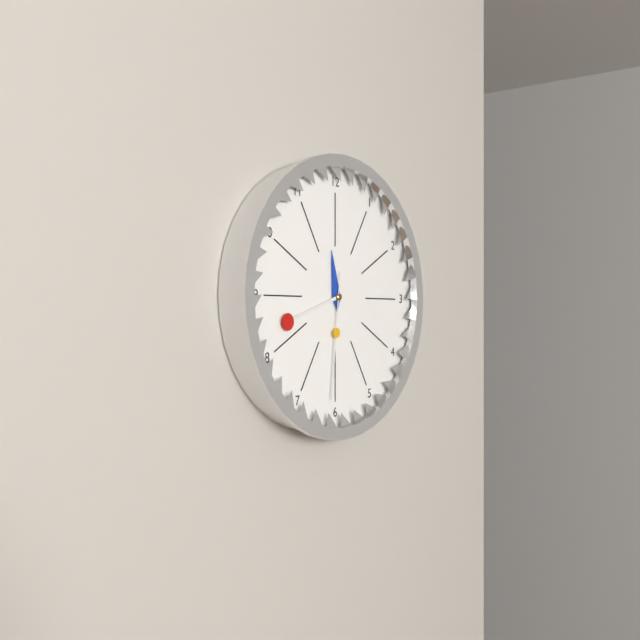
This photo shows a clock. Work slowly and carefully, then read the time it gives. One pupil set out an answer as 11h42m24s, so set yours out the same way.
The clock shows 11h42m31s
